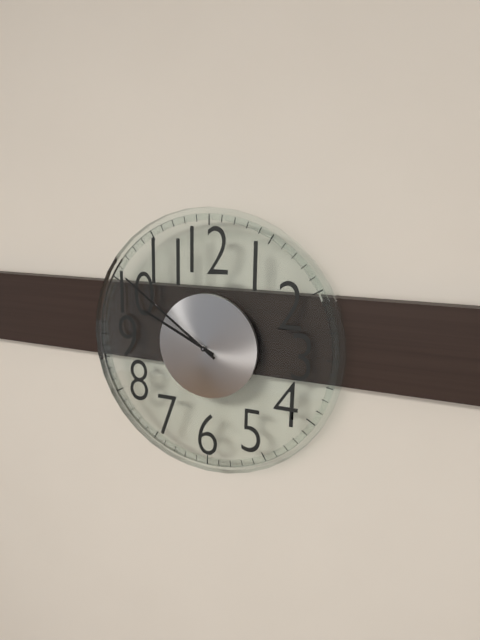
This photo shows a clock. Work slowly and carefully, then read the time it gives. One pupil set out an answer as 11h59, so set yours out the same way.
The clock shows 9h51
